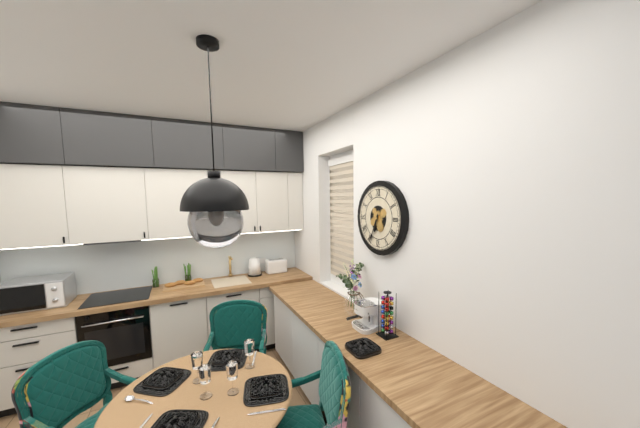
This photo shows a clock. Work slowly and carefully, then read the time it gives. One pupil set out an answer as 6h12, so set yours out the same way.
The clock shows 6h34
